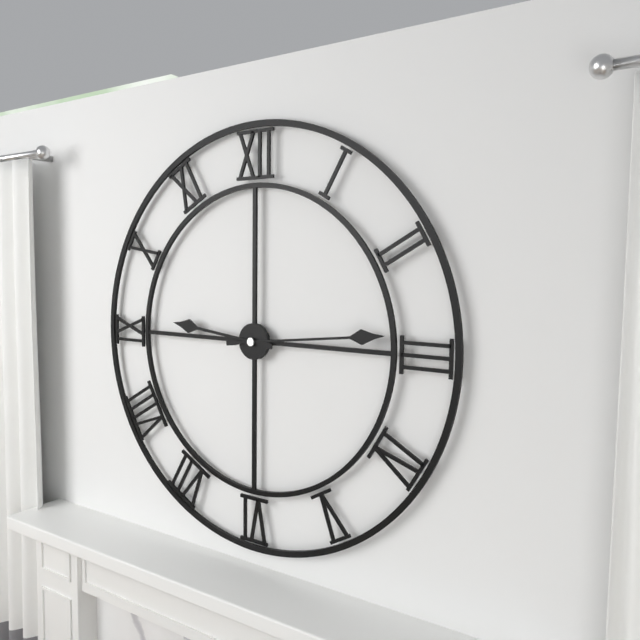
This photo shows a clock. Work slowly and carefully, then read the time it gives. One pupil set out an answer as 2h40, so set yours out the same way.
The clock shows 9h14
